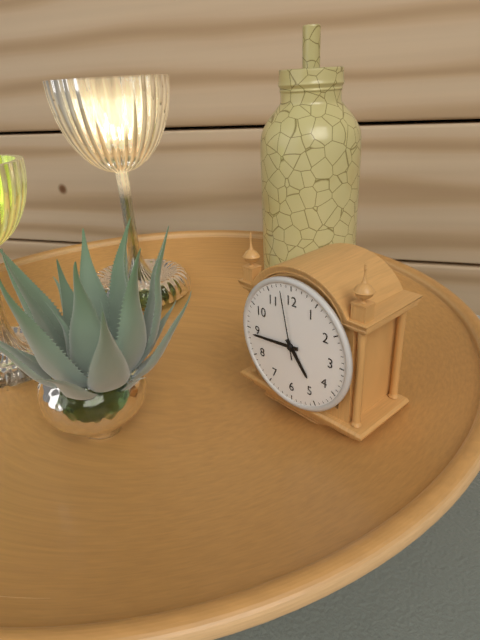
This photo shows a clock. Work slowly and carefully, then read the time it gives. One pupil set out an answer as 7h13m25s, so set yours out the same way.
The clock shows 4h44m58s
